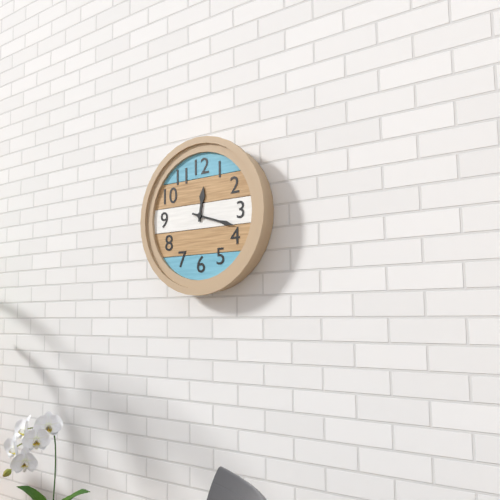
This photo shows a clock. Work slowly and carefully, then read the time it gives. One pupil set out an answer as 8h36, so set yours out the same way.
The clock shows 12h18
